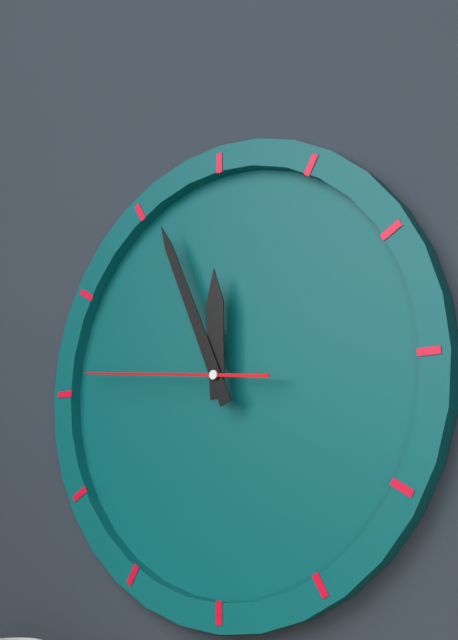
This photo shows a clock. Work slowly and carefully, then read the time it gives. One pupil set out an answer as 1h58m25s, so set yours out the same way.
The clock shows 11h56m46s
